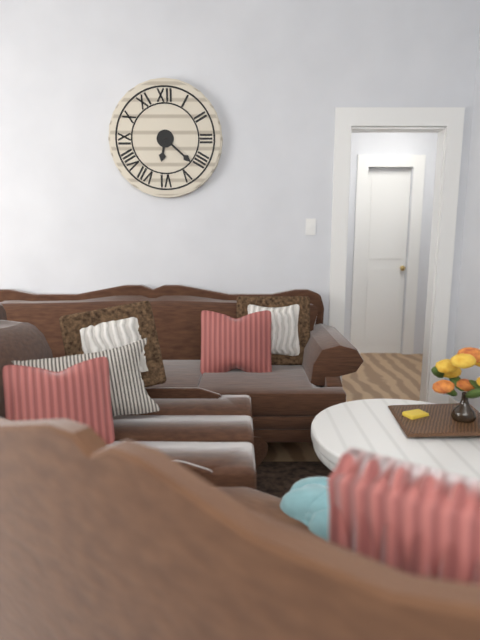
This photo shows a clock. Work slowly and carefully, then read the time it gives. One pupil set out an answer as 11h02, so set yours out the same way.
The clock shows 6h22
